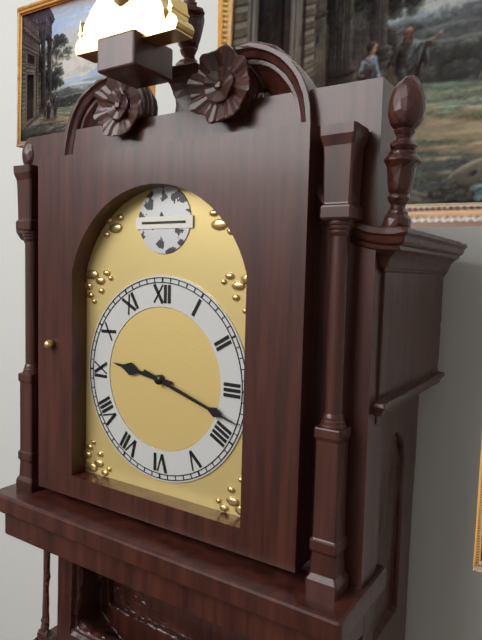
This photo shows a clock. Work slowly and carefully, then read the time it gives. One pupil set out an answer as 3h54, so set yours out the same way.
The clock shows 9h18
